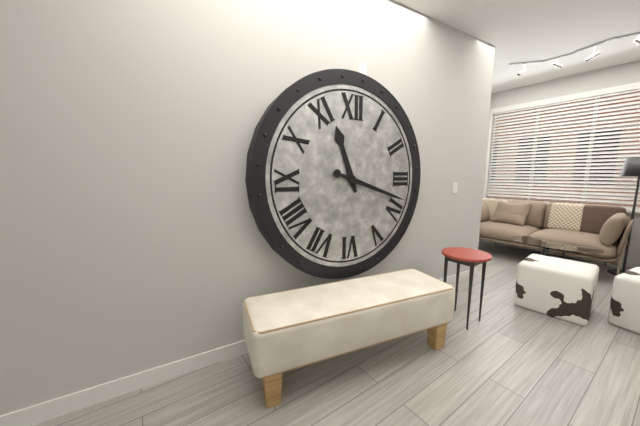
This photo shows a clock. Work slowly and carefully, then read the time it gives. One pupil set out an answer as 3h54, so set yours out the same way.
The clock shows 11h18
